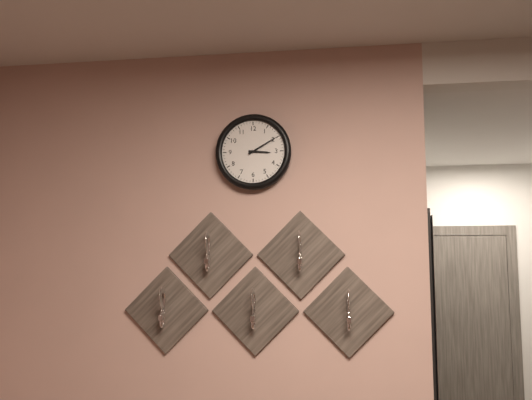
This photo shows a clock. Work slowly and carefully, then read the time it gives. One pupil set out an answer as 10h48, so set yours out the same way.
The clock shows 3h10
